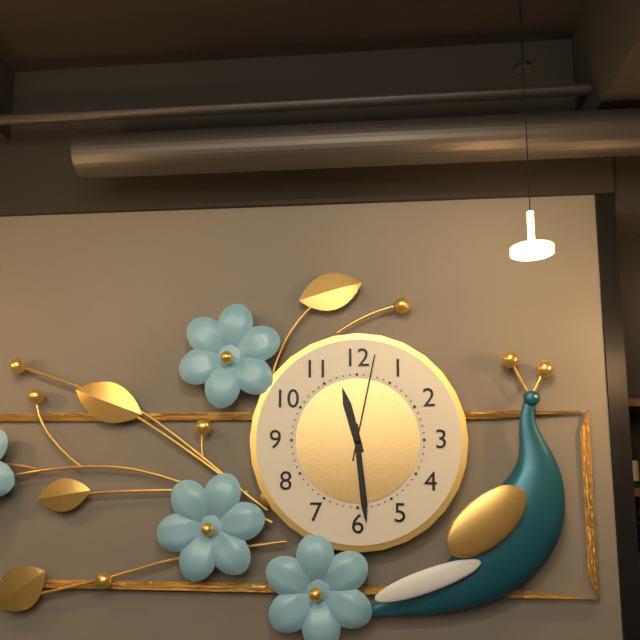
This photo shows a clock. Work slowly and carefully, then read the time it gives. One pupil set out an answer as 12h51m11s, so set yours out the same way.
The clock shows 11h29m02s
